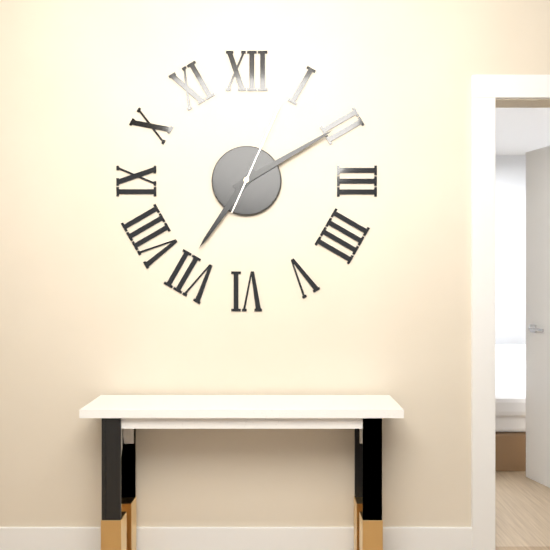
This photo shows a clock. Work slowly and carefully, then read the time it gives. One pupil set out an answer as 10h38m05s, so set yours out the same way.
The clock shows 7h10m04s
